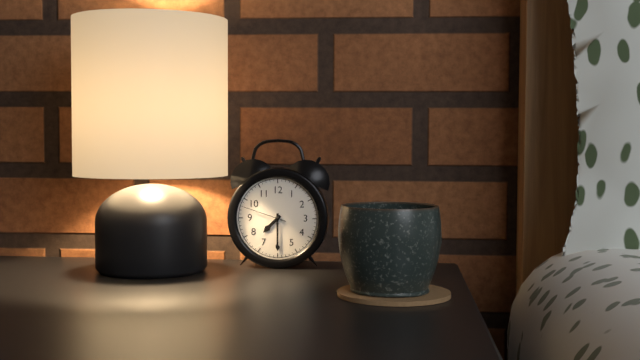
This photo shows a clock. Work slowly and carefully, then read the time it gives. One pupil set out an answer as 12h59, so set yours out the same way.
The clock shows 7h30
